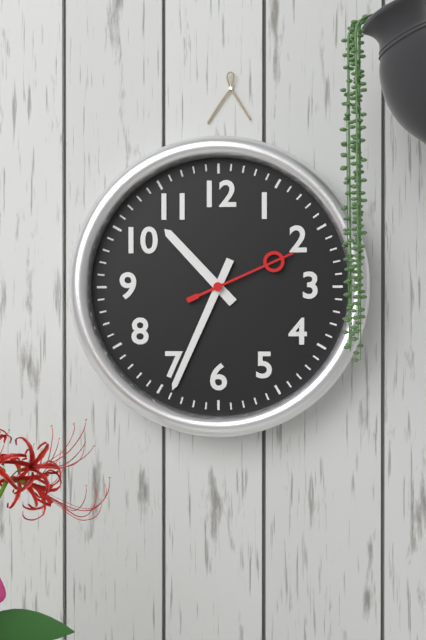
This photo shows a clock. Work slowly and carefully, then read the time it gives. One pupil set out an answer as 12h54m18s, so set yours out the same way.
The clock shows 10h34m11s
